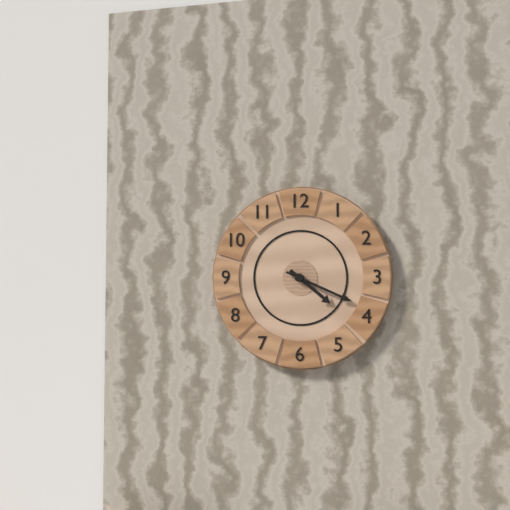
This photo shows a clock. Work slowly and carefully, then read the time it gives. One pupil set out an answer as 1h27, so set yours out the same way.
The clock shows 4h19
